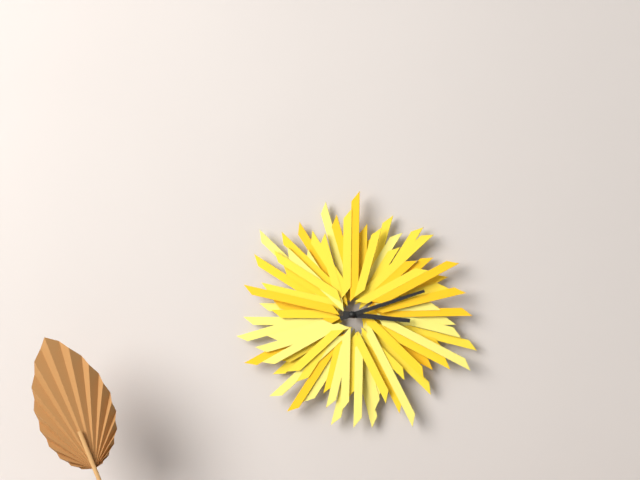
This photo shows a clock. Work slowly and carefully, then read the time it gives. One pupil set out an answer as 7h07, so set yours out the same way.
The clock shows 3h12
